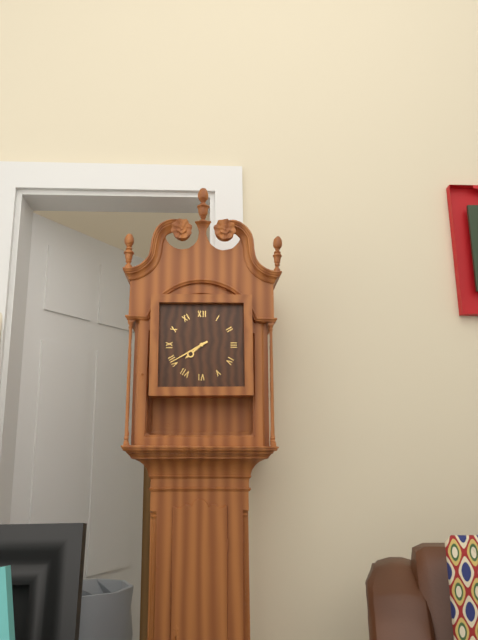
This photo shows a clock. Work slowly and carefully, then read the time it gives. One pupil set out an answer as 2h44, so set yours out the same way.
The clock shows 7h40
